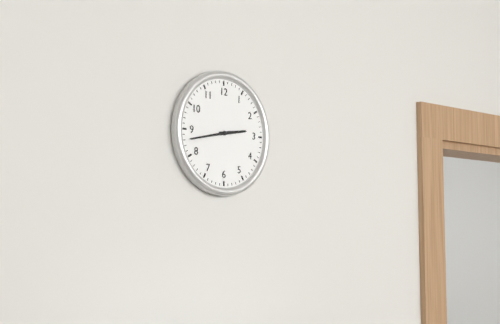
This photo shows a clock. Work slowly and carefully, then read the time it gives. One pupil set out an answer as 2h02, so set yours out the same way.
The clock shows 2h43
